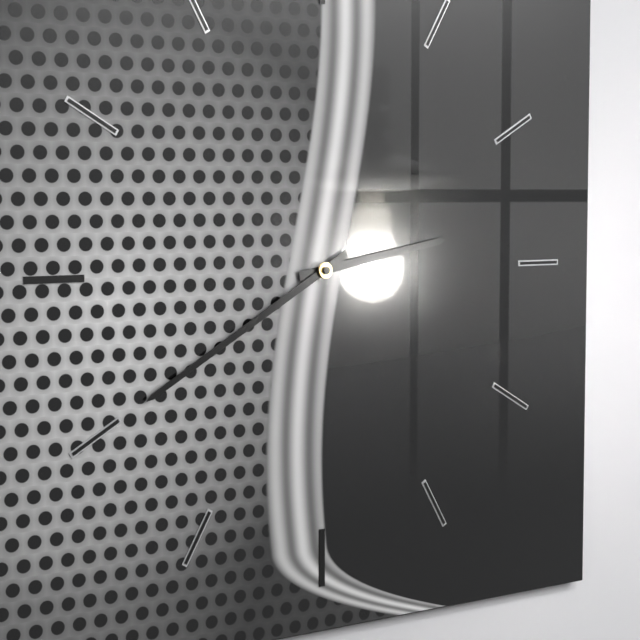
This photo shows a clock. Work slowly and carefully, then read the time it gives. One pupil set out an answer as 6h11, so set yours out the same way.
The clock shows 2h40
